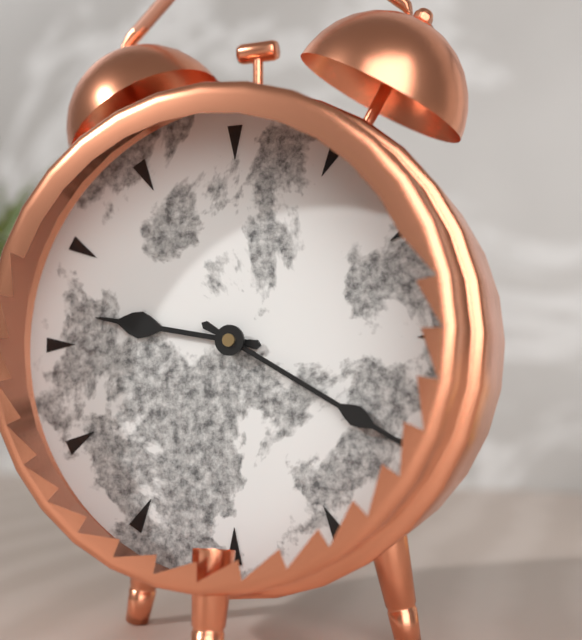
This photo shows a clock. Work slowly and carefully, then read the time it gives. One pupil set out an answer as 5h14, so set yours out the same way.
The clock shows 9h20
